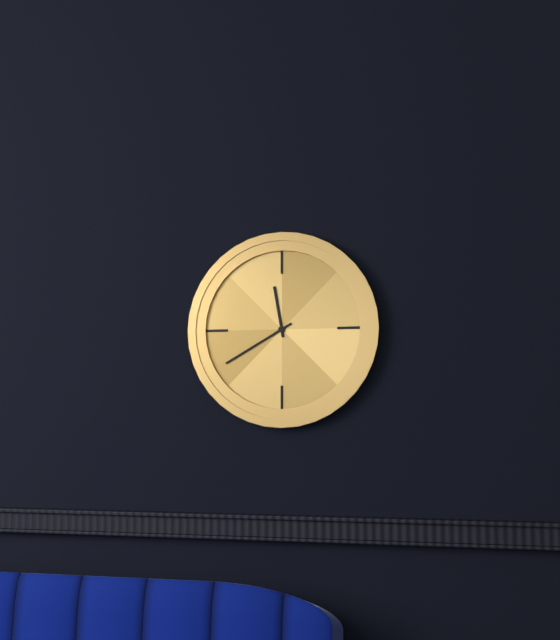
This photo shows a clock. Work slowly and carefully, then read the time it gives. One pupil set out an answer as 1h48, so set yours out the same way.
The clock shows 11h40
